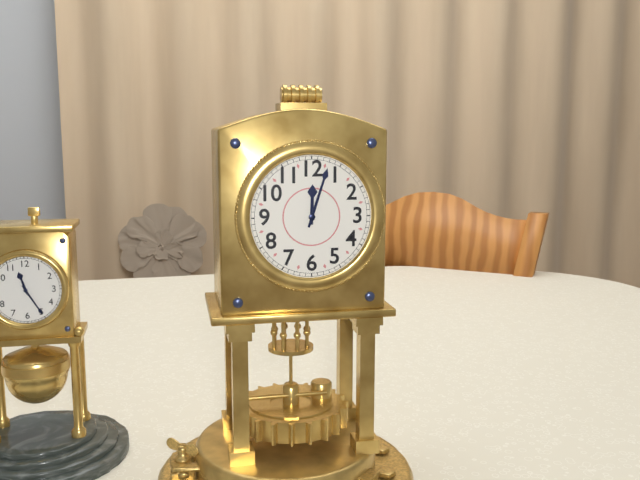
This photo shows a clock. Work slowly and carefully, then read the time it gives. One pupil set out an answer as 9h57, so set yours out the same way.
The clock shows 12h03
